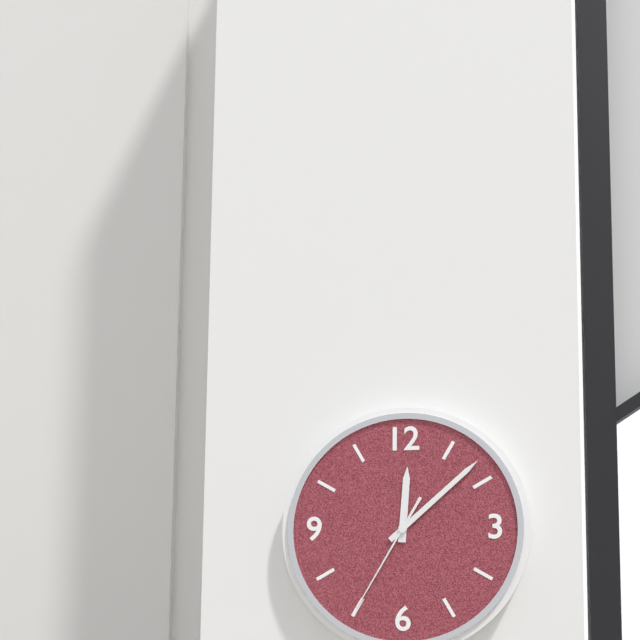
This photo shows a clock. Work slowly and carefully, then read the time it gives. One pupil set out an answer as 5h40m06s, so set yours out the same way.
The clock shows 12h08m35s
